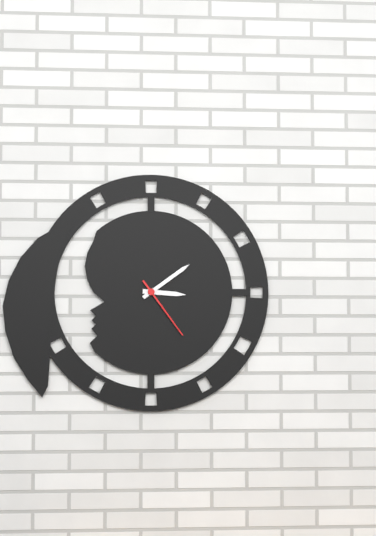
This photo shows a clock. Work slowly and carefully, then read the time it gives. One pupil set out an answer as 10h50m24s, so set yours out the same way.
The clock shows 3h09m24s
